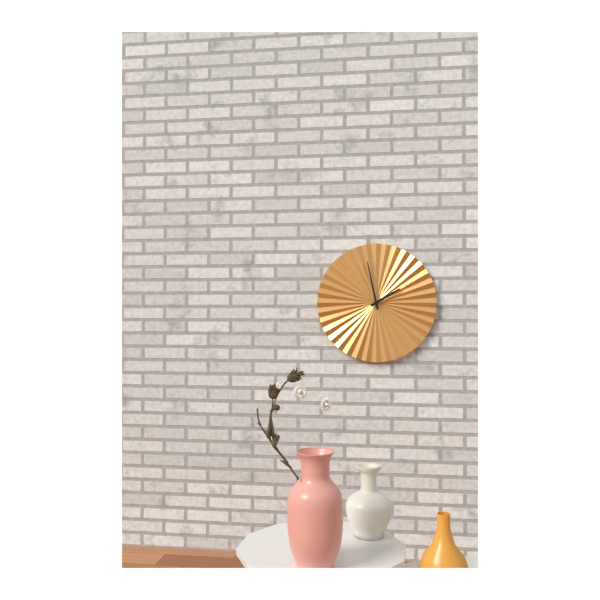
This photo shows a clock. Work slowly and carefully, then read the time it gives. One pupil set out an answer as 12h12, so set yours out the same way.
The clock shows 1h58
